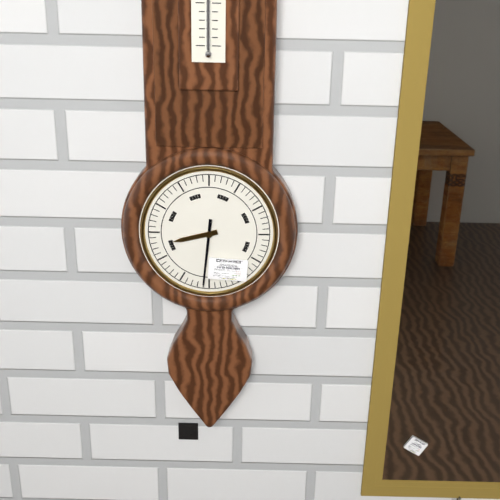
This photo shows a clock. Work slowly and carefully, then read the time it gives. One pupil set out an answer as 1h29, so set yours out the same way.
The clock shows 8h31
